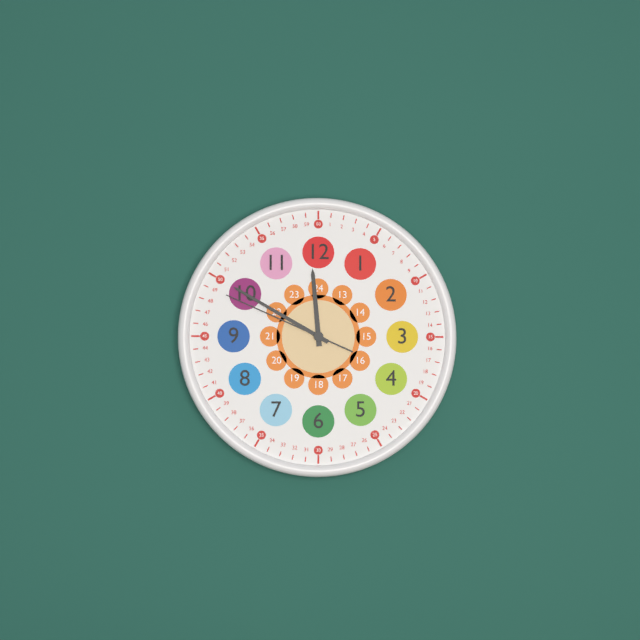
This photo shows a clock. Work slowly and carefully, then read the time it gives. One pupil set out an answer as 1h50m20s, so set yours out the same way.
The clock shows 11h50m49s
